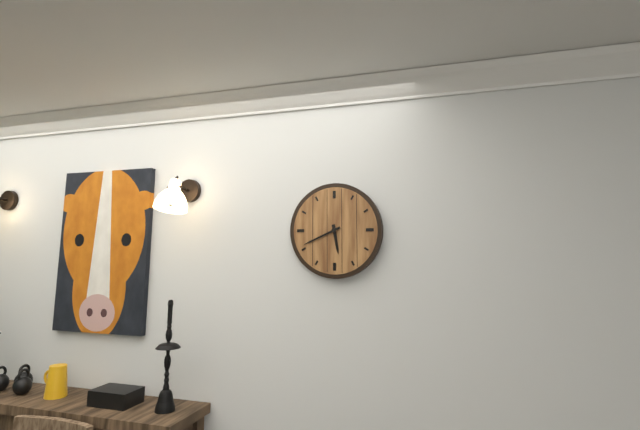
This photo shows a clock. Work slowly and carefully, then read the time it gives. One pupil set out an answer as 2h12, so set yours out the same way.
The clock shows 5h41
